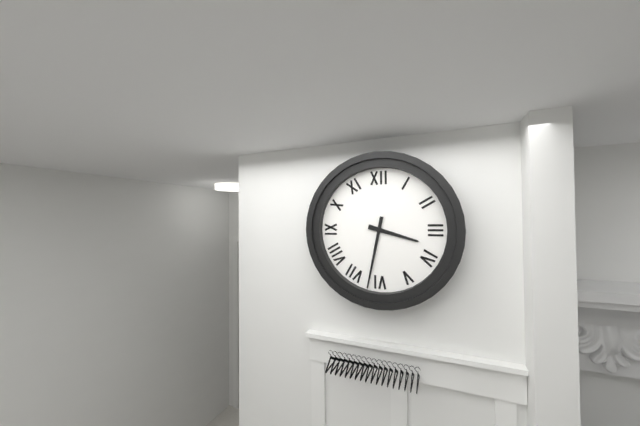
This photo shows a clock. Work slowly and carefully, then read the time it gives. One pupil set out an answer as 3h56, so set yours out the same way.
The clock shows 3h32
